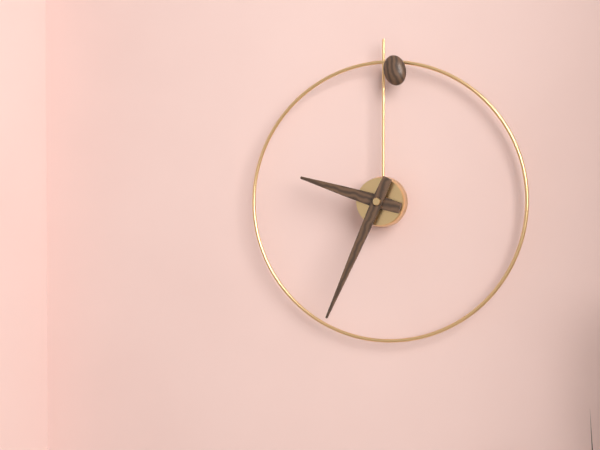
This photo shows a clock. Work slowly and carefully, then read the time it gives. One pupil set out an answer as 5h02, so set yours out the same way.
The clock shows 9h34
